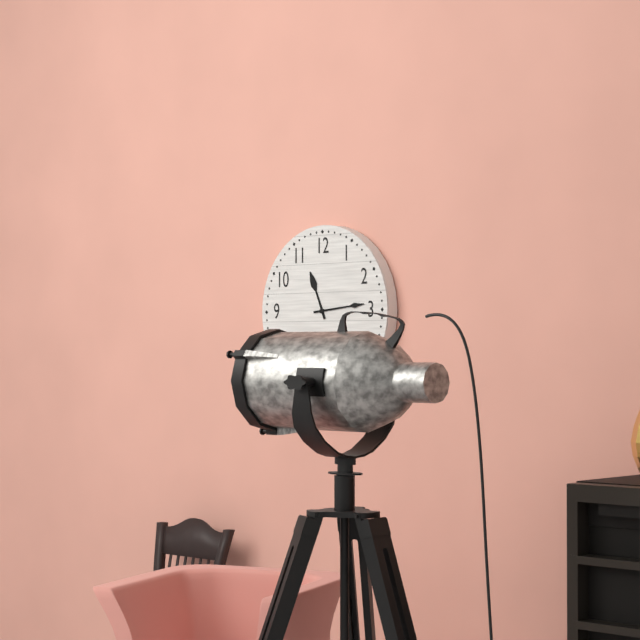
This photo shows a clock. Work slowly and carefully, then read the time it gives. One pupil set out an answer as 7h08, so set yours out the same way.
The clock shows 11h14
